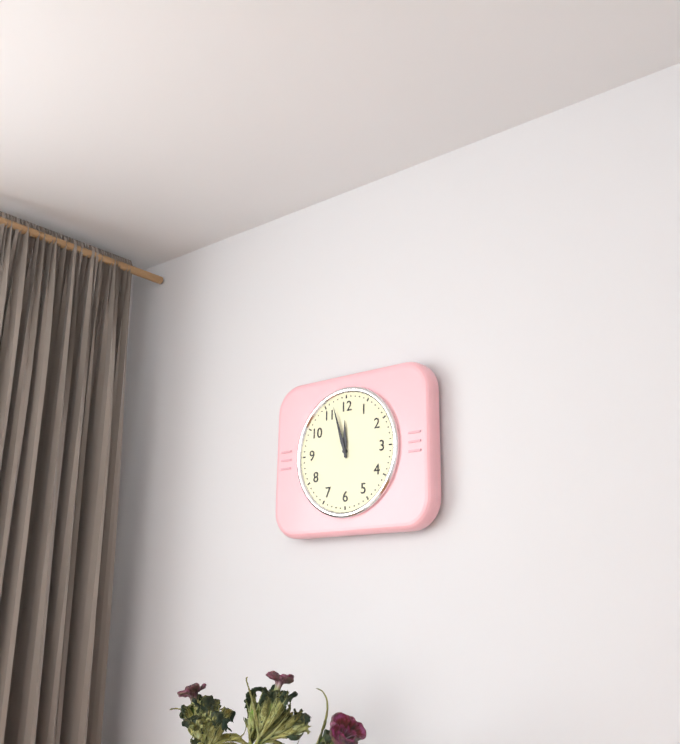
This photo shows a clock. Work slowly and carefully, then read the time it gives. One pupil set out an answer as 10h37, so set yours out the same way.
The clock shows 11h57
